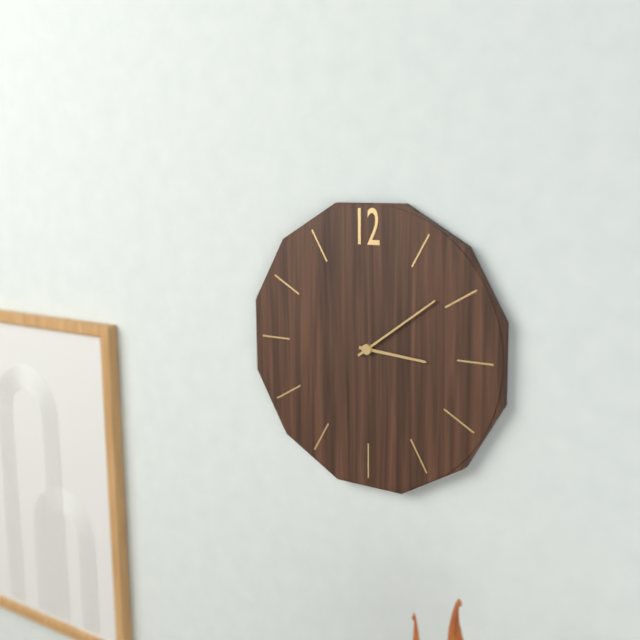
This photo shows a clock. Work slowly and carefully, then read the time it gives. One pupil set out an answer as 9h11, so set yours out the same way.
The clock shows 3h09
